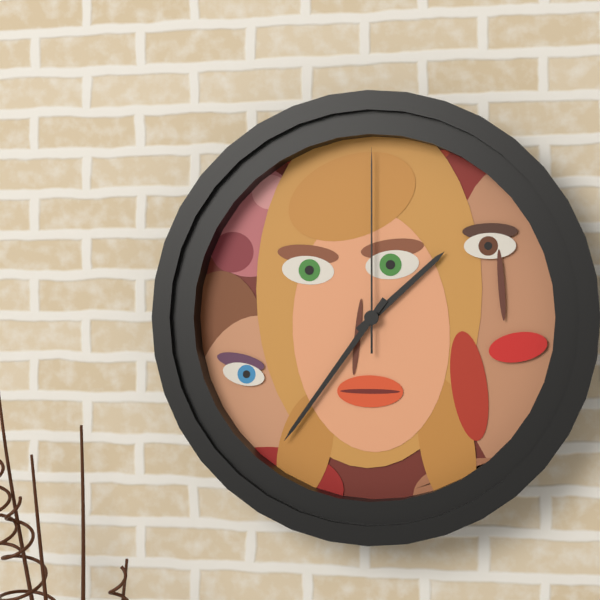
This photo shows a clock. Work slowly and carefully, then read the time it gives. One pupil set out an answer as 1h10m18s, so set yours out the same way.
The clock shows 1h36m00s
